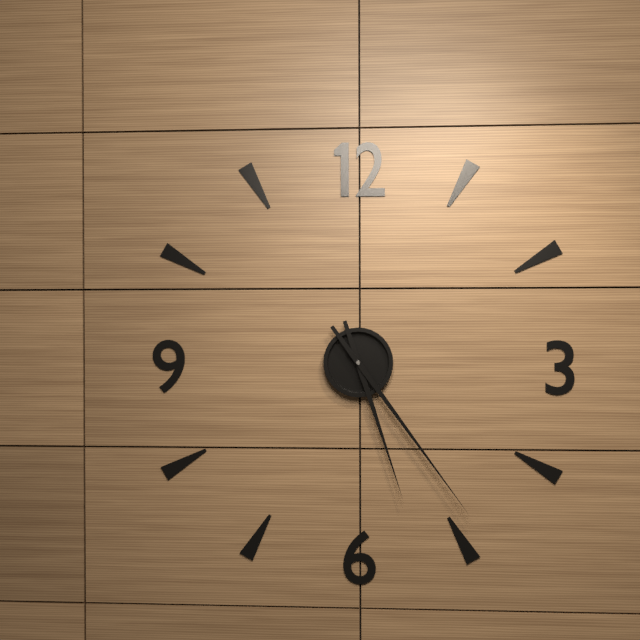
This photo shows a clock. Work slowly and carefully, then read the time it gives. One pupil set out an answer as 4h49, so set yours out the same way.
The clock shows 5h24
